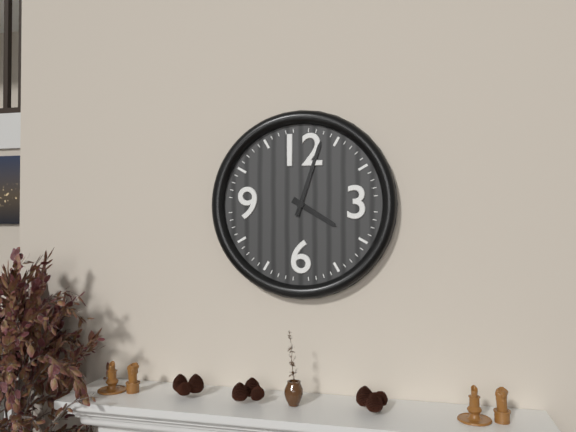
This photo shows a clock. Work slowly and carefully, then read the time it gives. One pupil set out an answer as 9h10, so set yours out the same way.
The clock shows 4h03
